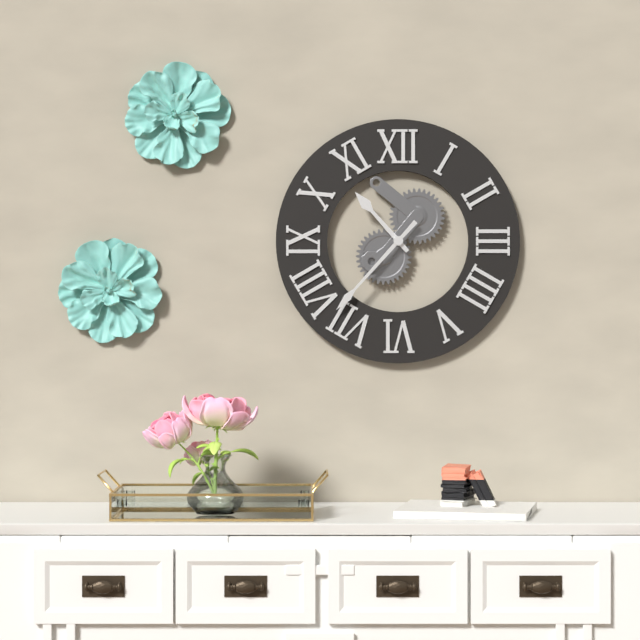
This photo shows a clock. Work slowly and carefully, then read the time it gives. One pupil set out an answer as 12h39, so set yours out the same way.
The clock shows 10h37
